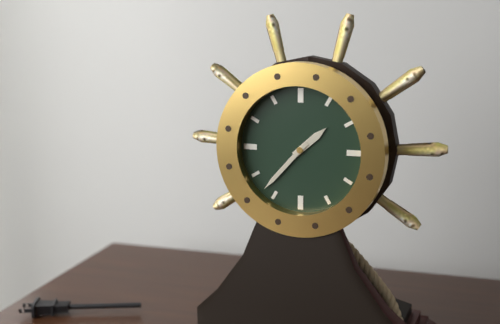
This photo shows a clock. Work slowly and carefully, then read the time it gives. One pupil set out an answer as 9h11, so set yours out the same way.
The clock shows 1h37
